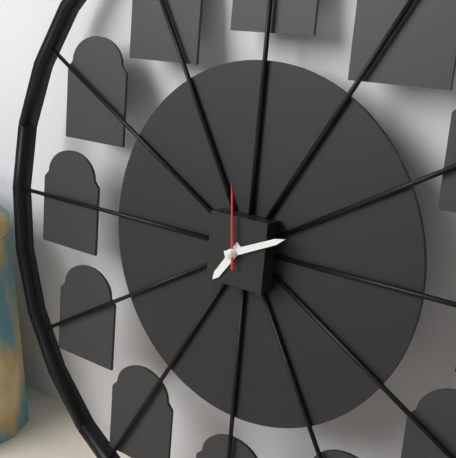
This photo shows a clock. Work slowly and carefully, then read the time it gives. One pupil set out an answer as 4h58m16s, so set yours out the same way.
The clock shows 7h11m59s
